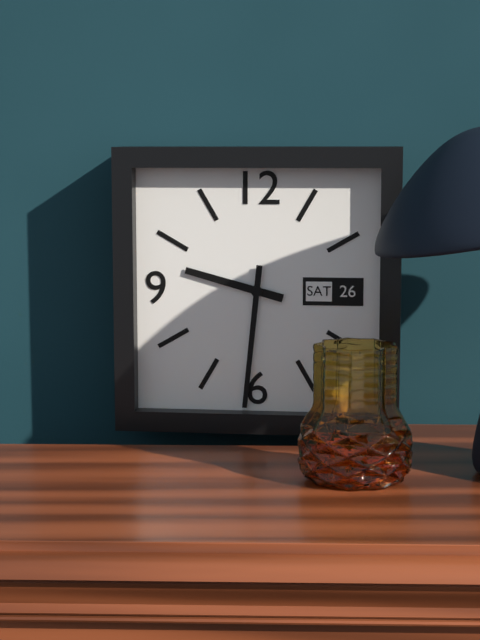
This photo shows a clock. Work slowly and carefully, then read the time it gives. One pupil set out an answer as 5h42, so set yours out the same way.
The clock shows 9h31
